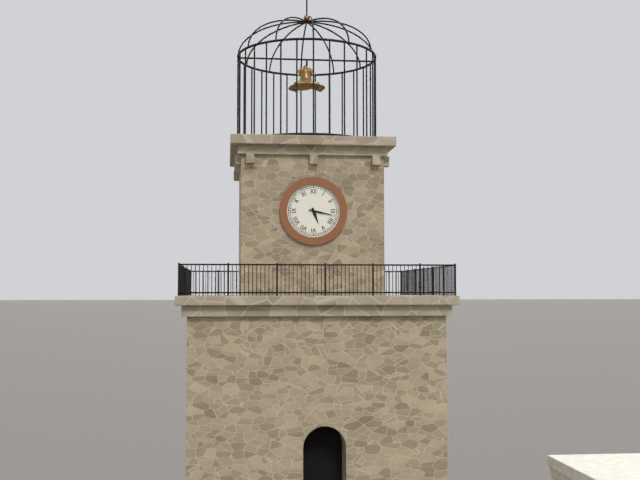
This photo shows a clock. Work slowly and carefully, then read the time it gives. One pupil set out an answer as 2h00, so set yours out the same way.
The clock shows 5h17
